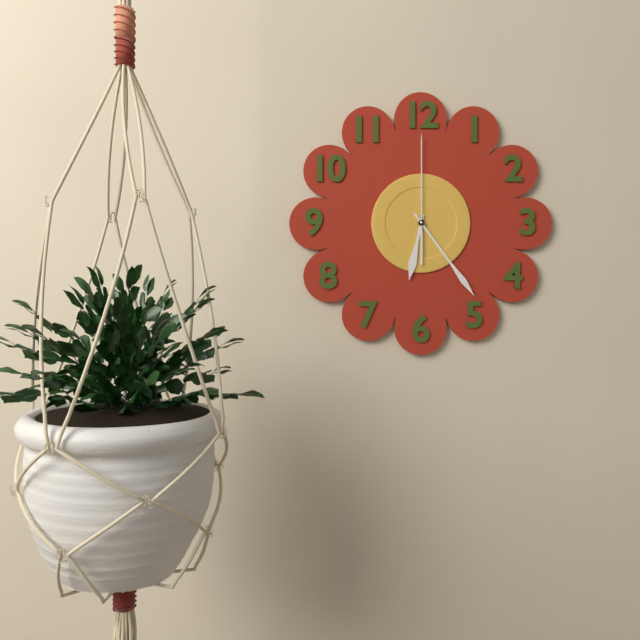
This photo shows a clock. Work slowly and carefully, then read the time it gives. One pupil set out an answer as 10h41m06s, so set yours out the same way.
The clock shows 6h24m00s
